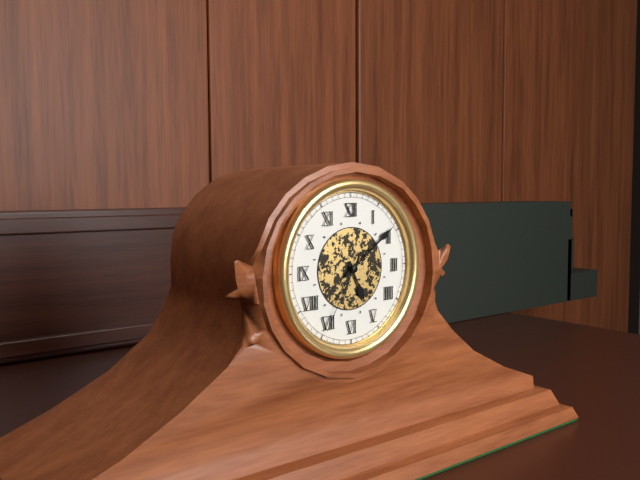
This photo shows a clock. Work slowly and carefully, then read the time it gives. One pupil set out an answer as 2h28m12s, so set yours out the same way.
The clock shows 5h09m35s
